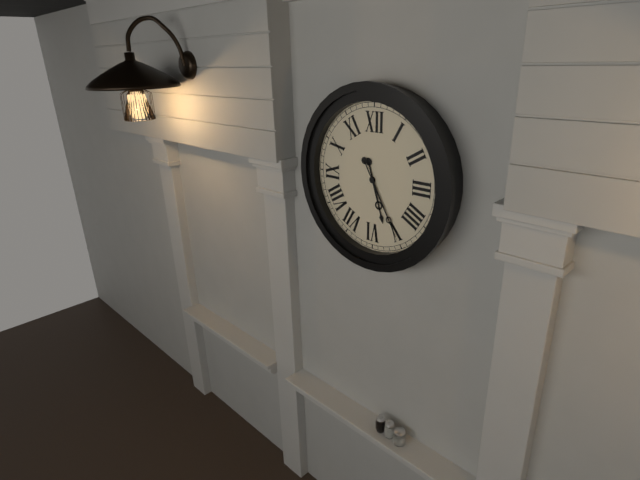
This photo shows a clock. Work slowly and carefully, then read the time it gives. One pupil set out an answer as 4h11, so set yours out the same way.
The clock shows 5h25
